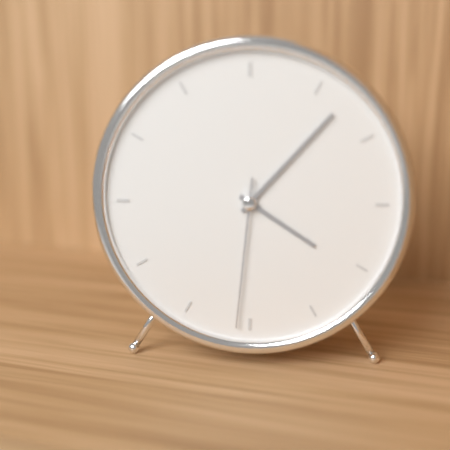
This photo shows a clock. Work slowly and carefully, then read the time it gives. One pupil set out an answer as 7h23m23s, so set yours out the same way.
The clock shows 4h07m31s
